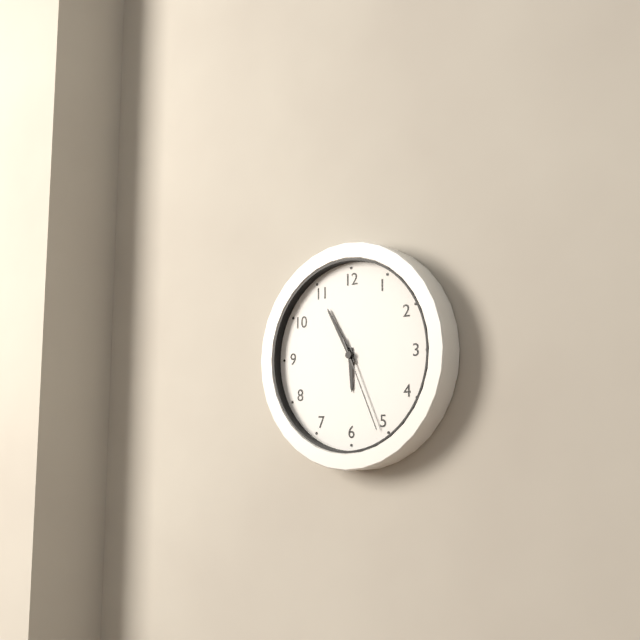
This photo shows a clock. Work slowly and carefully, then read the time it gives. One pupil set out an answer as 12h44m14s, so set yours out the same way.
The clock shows 5h55m26s
